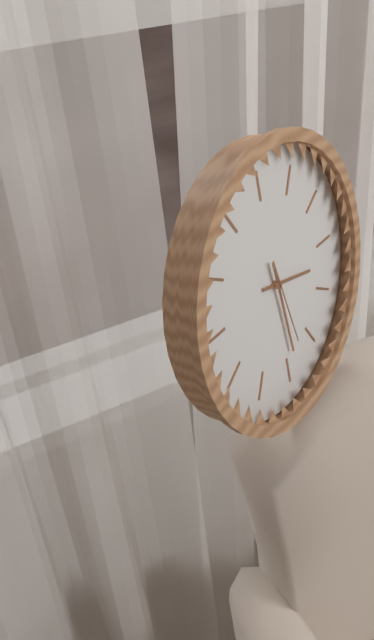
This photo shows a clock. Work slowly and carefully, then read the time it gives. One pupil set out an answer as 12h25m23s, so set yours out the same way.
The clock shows 3h29m28s
